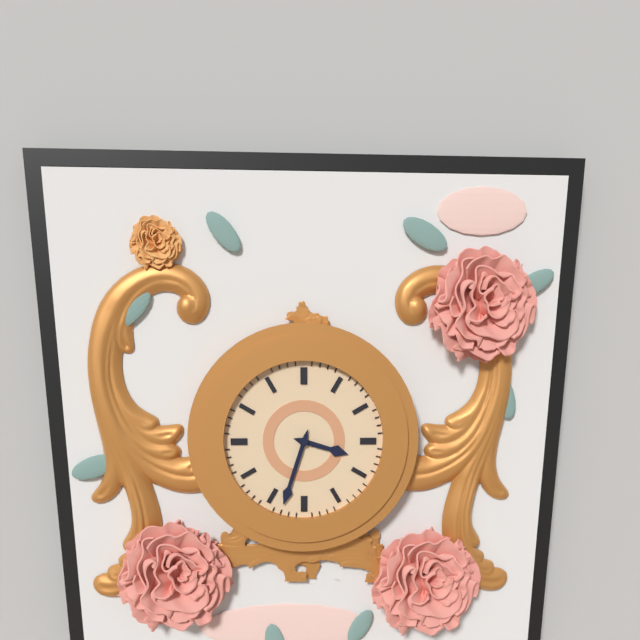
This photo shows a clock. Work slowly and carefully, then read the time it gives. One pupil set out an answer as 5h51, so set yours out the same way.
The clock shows 3h33
